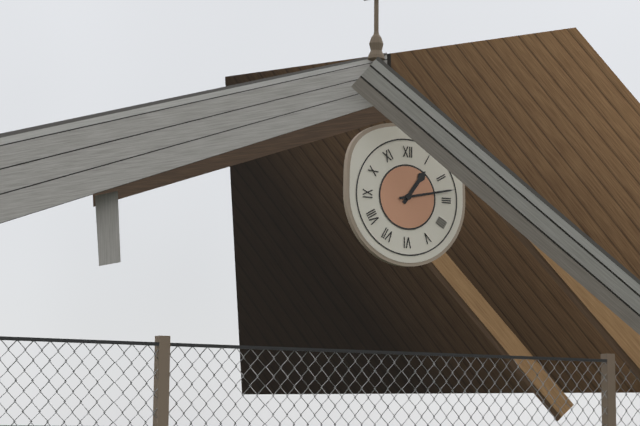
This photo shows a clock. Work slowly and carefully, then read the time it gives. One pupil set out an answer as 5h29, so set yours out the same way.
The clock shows 1h13
